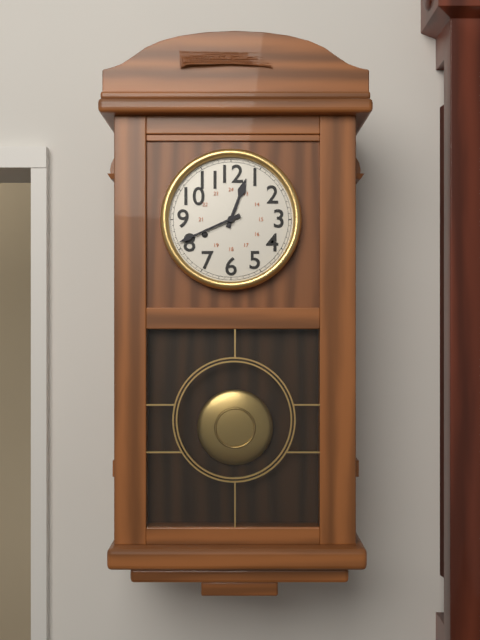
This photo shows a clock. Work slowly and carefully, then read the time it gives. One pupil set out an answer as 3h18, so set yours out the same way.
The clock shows 12h41
